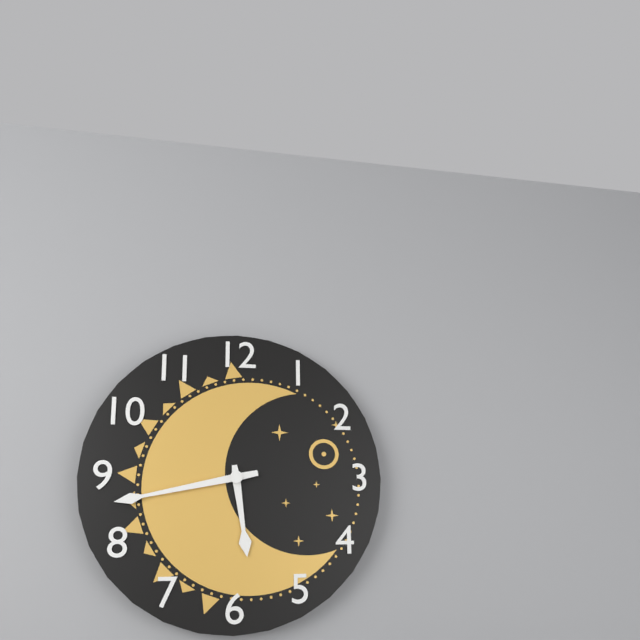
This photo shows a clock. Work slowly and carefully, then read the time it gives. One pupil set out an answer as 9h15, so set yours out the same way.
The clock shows 5h43
